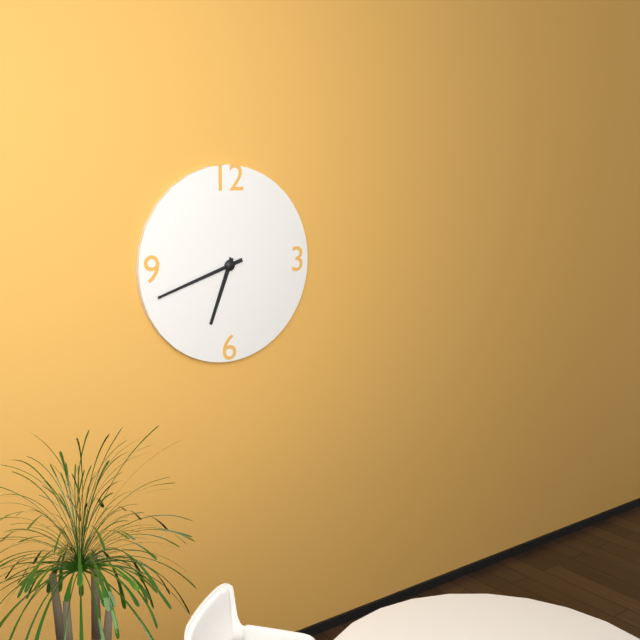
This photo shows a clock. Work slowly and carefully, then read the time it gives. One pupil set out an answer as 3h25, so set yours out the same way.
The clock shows 6h42
